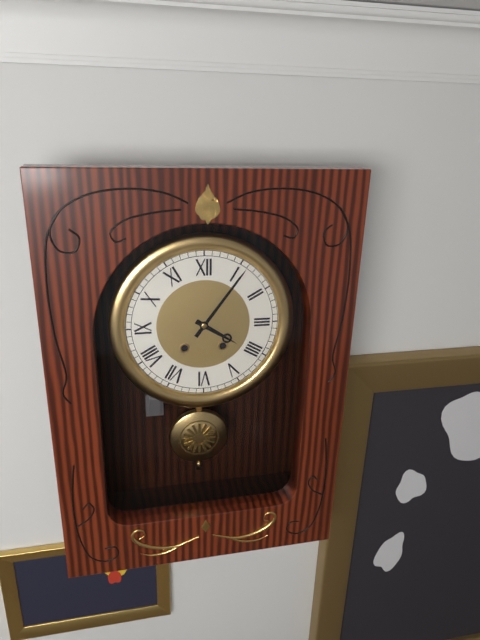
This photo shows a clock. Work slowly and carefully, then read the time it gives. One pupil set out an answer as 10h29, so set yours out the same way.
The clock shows 4h06
